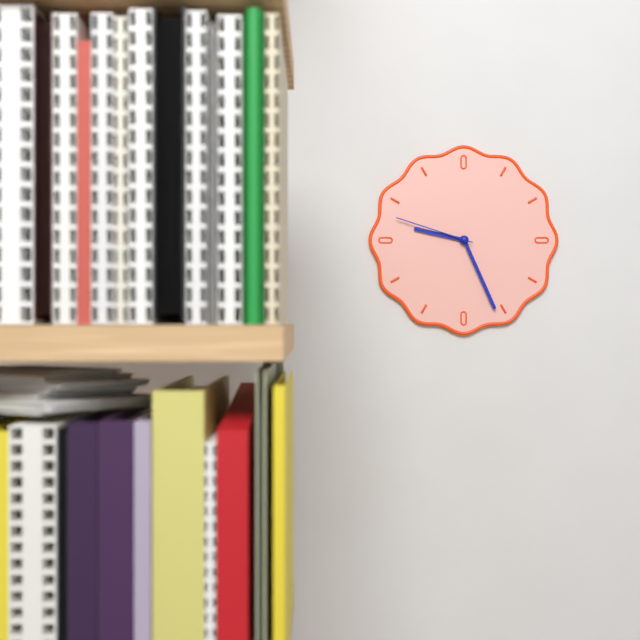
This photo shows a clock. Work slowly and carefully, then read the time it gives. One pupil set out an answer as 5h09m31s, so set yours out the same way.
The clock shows 9h26m48s
